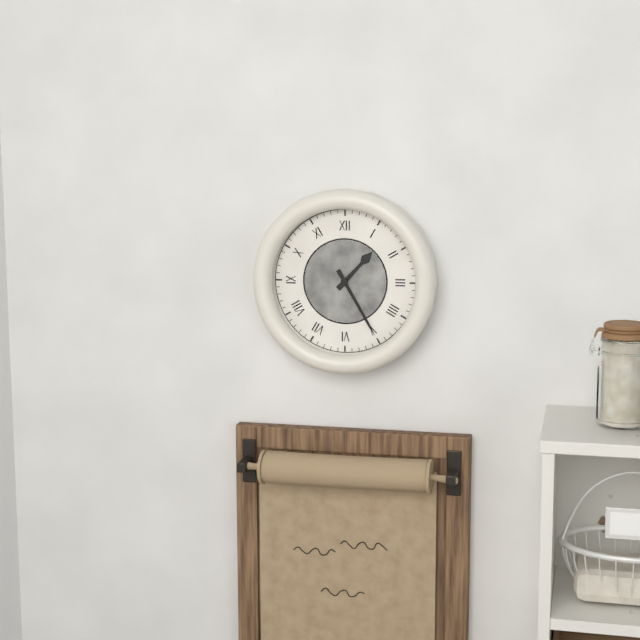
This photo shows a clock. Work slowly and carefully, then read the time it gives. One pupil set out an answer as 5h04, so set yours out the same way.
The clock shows 1h25
